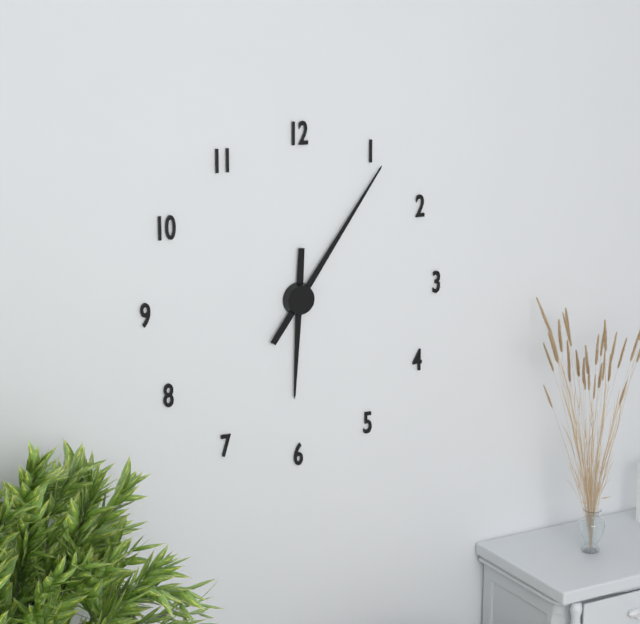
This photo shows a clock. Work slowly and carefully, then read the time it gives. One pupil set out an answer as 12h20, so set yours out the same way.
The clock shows 6h06
